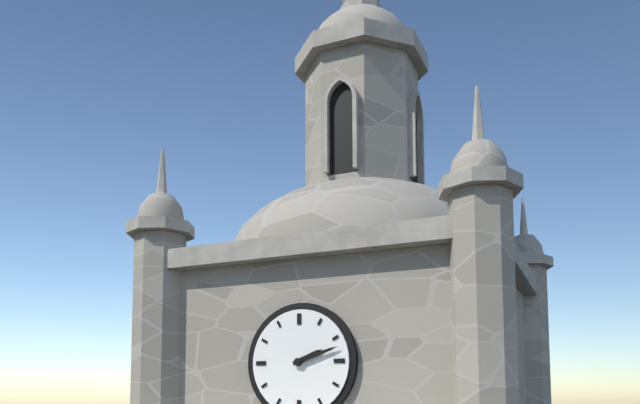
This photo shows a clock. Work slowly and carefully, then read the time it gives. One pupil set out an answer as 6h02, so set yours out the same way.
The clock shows 2h12
